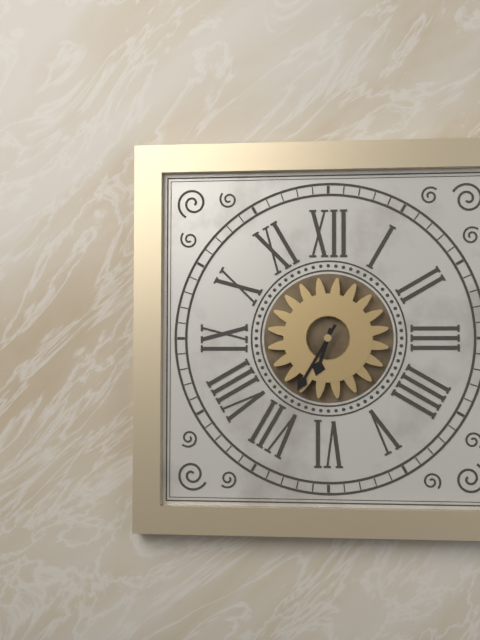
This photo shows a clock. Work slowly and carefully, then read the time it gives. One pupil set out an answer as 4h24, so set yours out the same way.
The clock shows 6h35
